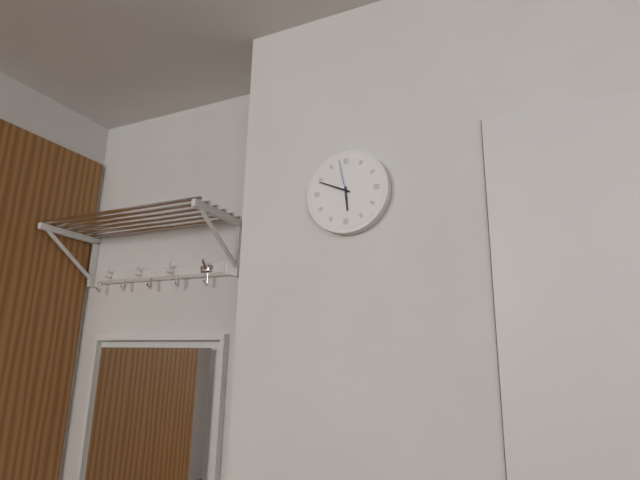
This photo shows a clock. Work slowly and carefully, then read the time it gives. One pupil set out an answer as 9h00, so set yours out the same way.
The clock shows 5h49
